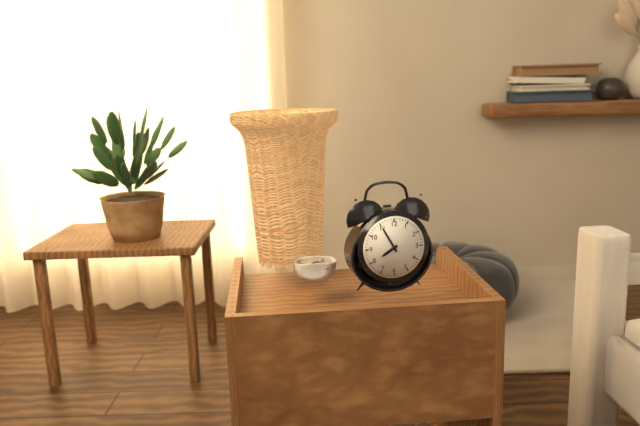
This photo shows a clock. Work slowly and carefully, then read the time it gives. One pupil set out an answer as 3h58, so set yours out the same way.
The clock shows 7h55
